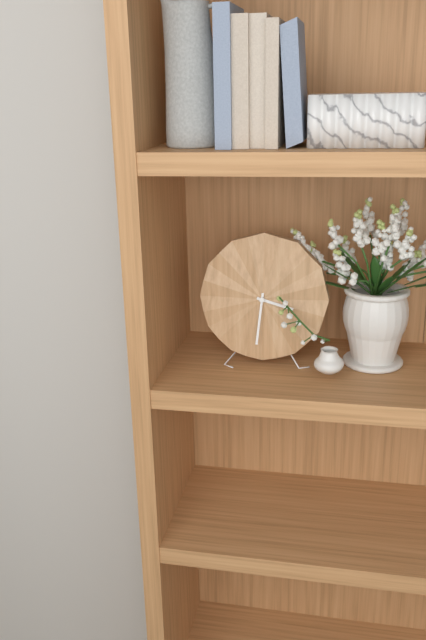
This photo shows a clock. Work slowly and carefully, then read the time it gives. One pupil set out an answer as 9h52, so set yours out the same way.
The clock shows 3h31
